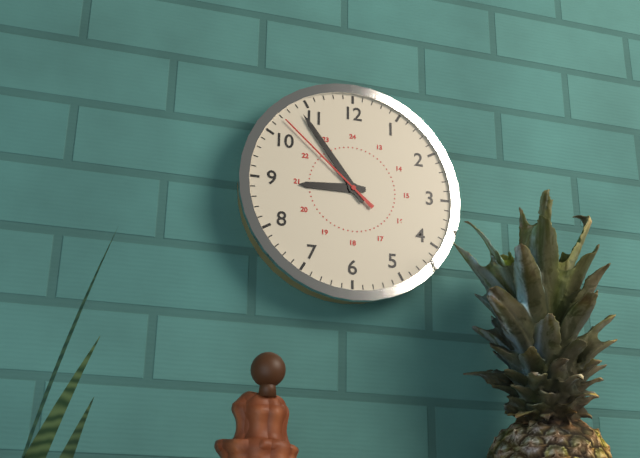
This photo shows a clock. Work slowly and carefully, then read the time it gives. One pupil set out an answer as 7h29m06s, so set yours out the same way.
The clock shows 8h54m52s
